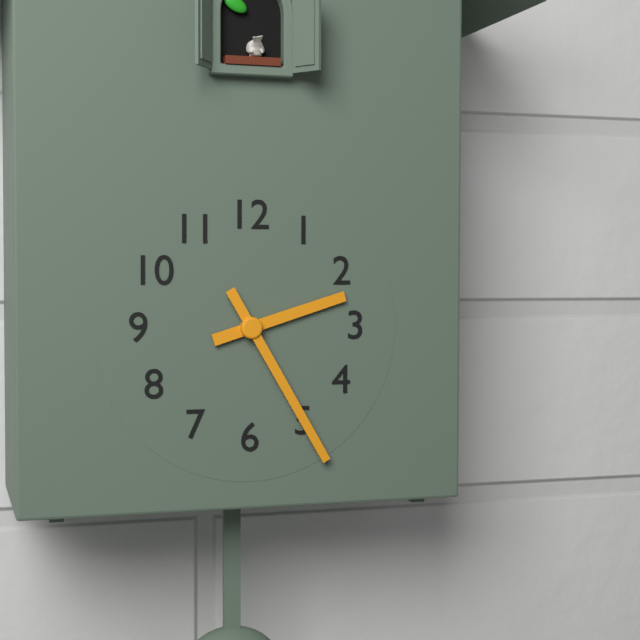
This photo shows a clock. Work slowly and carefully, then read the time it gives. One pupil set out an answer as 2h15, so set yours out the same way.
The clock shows 2h25
